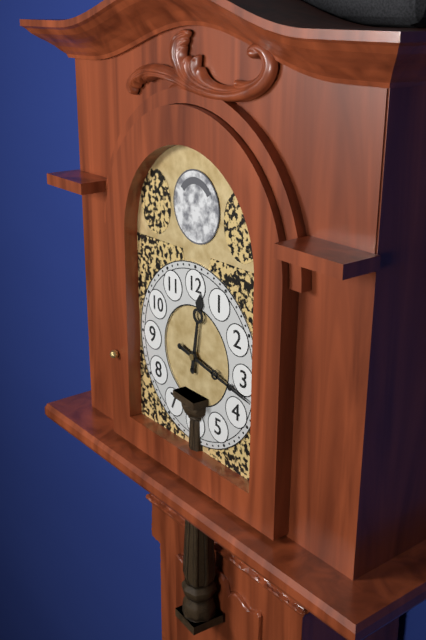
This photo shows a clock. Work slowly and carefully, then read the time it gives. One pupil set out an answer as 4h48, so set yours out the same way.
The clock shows 12h17
